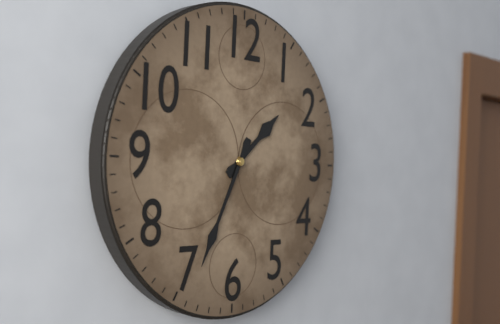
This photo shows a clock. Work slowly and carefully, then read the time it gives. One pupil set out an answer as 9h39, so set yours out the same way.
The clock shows 1h34
